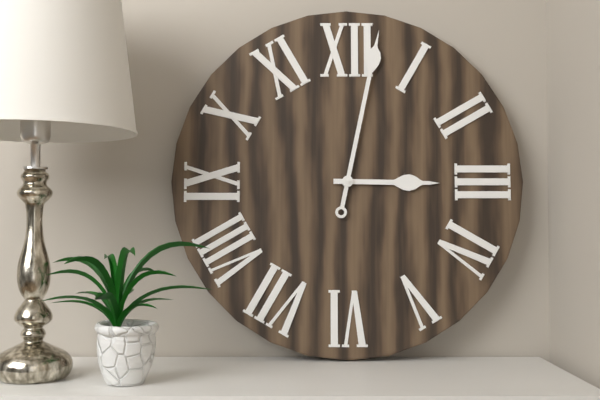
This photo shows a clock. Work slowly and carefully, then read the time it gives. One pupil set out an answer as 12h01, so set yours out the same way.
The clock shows 3h02
